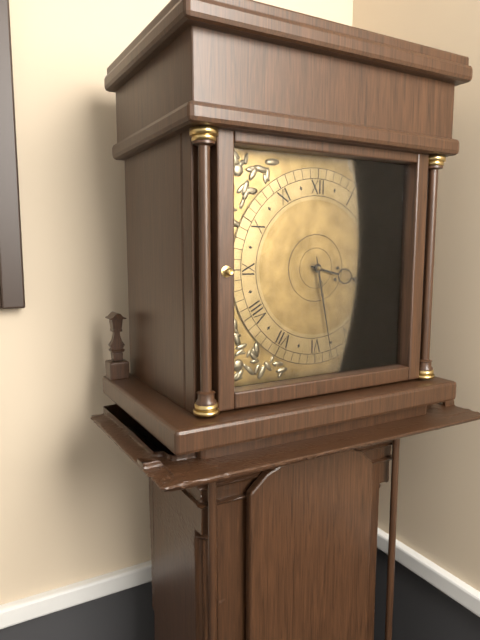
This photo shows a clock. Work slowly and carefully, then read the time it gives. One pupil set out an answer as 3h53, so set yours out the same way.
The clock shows 3h28
